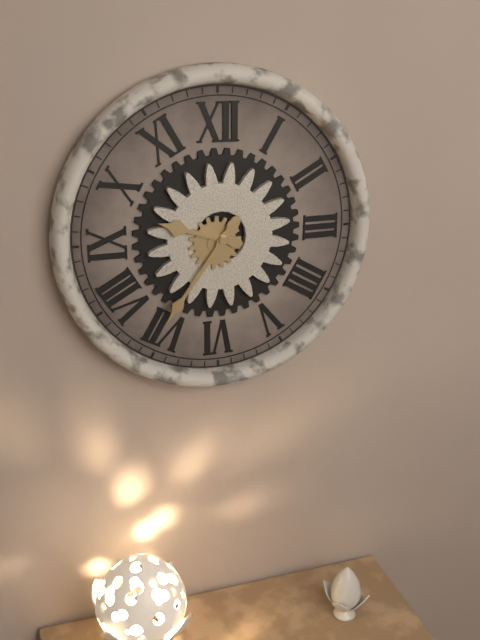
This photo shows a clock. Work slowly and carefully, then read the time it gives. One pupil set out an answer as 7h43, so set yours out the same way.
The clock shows 9h36
